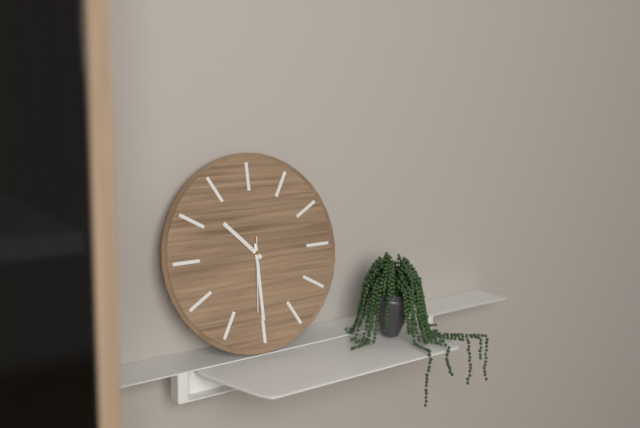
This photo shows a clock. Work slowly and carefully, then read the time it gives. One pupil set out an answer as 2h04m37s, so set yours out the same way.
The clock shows 10h30m31s
